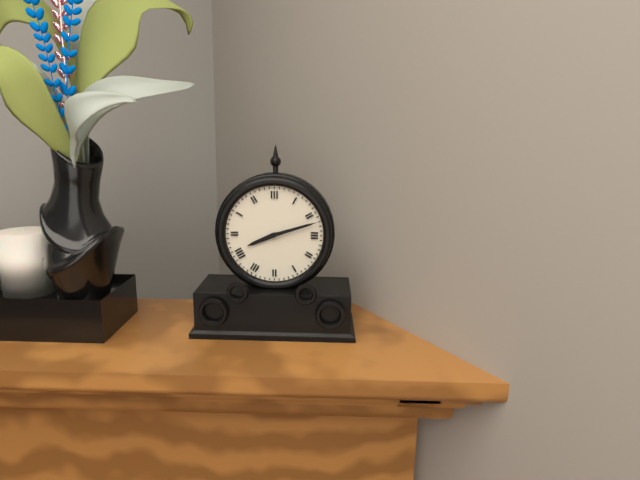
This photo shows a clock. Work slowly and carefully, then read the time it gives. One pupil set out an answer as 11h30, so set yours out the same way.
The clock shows 8h12
